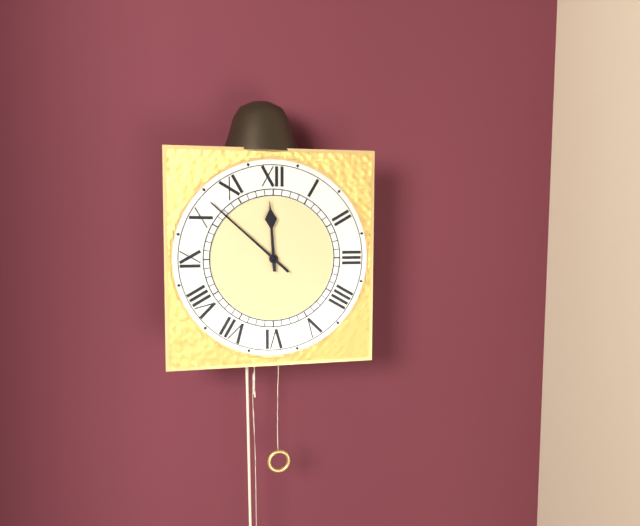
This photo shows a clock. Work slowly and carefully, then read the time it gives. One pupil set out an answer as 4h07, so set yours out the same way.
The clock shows 11h52
